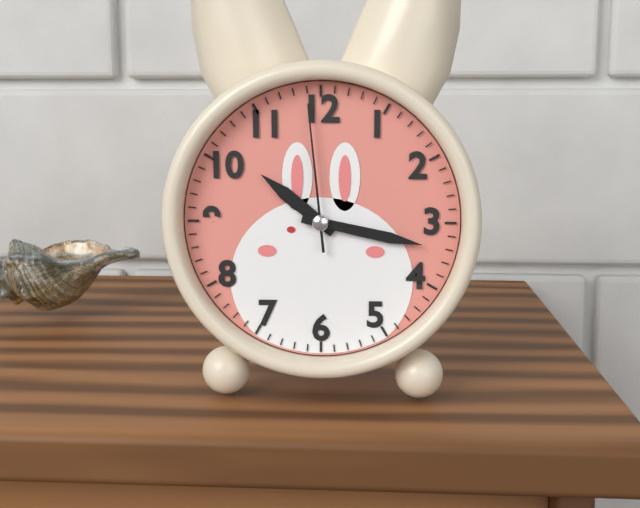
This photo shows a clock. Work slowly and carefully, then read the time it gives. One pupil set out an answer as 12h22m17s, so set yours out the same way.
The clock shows 10h17m59s
